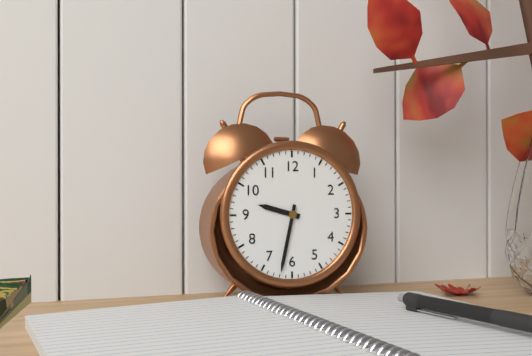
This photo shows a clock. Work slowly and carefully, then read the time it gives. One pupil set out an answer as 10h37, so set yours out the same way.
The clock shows 9h32
